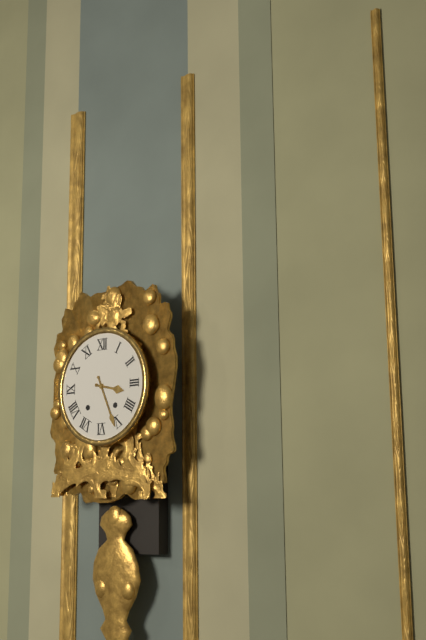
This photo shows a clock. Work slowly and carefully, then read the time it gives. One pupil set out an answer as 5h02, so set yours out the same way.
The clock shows 3h26
